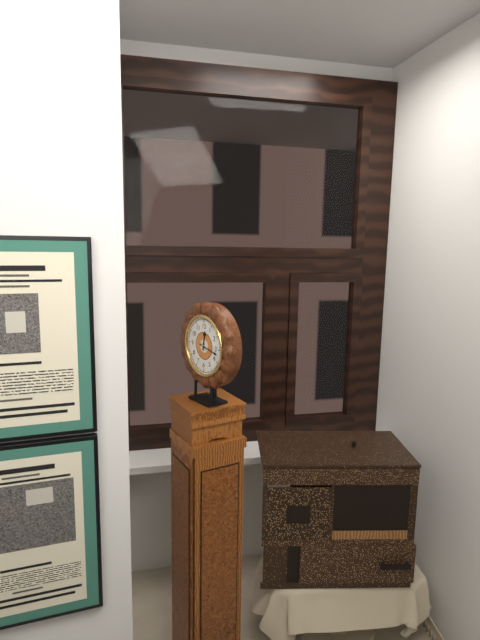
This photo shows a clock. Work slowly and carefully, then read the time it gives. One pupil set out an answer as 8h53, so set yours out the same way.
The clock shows 12h17
